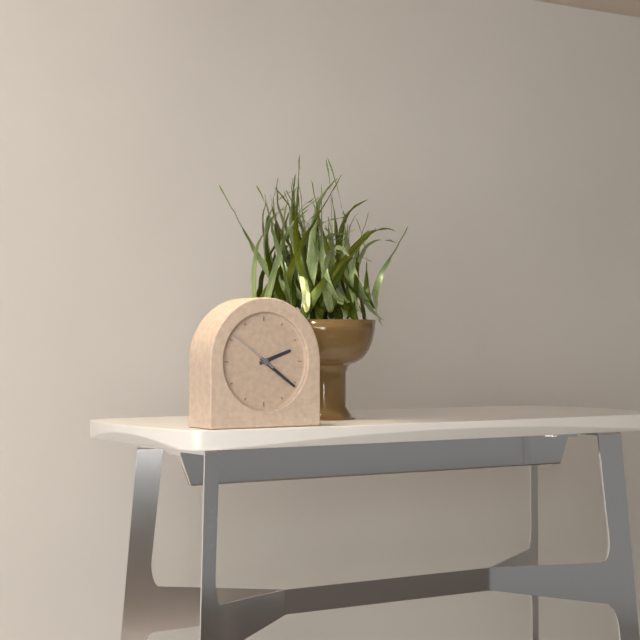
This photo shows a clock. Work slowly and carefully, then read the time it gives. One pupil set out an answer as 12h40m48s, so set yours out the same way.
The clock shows 2h21m51s
